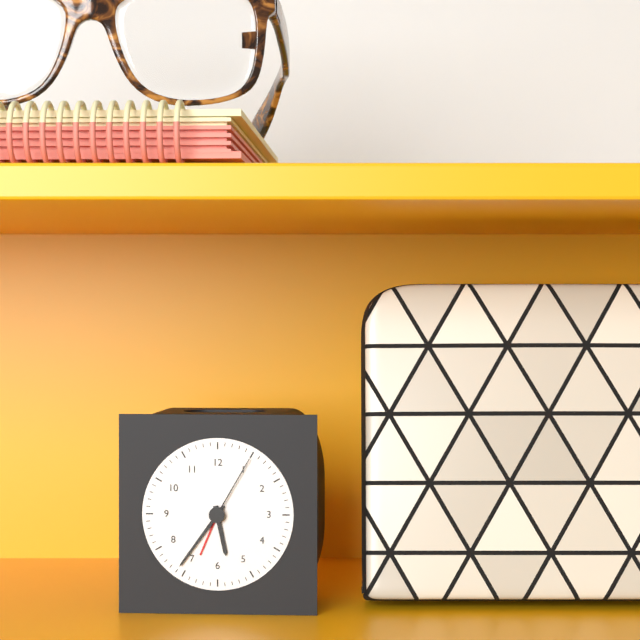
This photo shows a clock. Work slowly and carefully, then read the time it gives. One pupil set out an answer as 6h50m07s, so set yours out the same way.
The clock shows 5h36m05s
